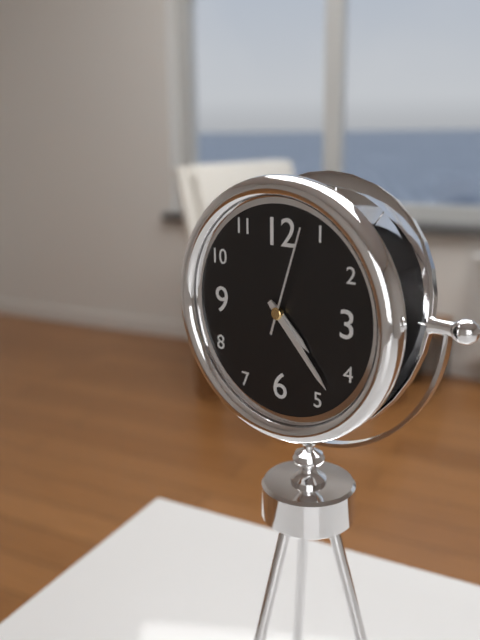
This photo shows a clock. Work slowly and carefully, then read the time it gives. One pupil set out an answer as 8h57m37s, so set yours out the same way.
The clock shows 4h23m03s
